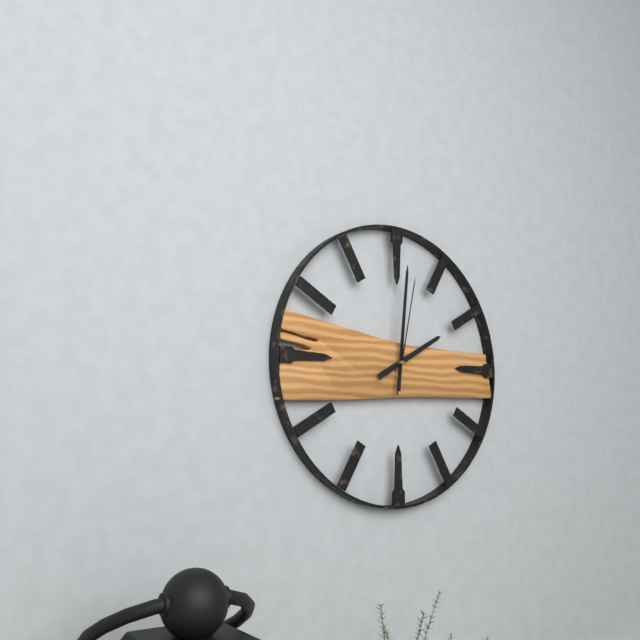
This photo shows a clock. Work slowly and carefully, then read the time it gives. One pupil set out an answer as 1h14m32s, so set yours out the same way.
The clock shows 2h01m02s
